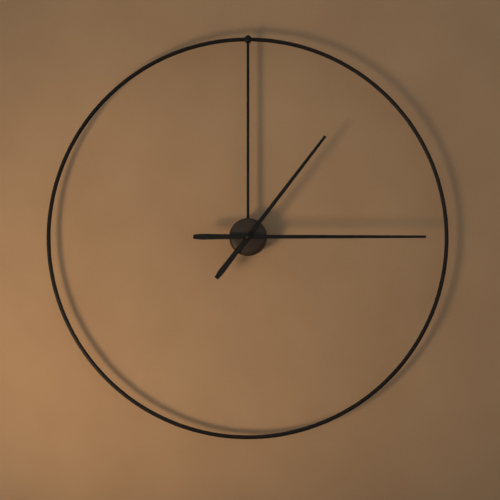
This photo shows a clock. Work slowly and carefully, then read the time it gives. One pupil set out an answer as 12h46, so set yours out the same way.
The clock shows 1h15
